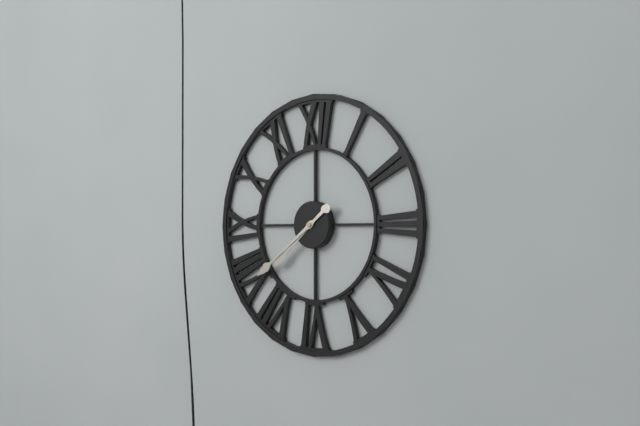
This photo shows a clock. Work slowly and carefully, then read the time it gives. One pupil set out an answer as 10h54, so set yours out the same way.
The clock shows 7h39
